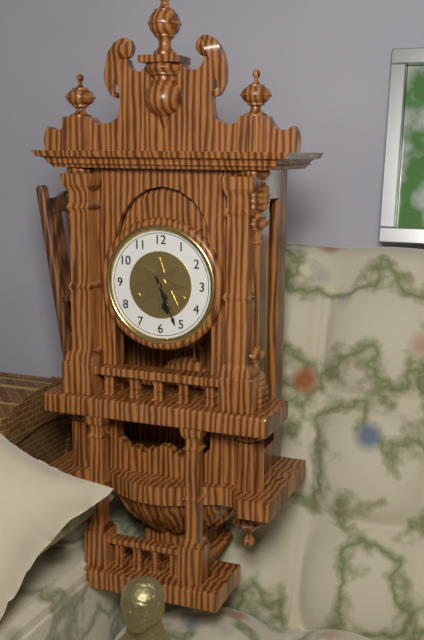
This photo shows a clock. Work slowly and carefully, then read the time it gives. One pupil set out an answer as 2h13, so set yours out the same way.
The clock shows 5h26
